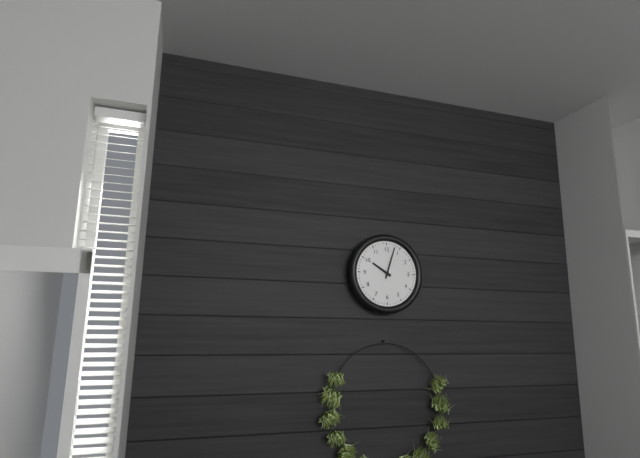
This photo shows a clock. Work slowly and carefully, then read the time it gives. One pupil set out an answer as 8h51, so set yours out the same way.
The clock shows 10h03
